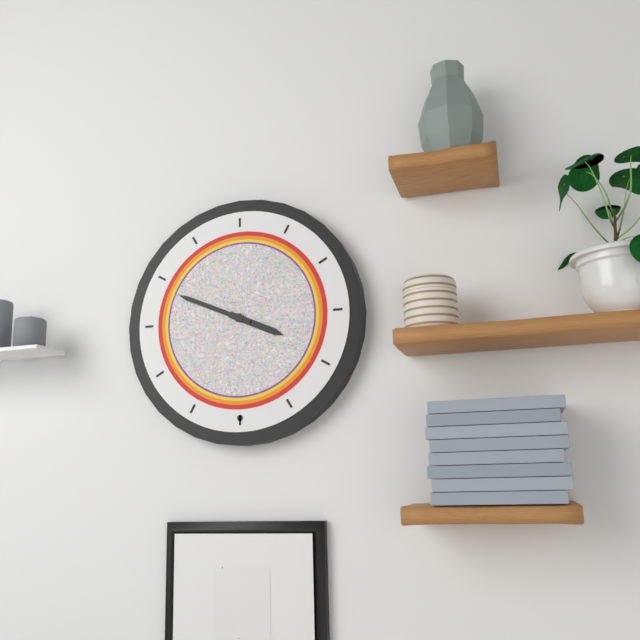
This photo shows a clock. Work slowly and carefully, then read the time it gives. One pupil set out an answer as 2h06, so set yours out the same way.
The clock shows 3h49
